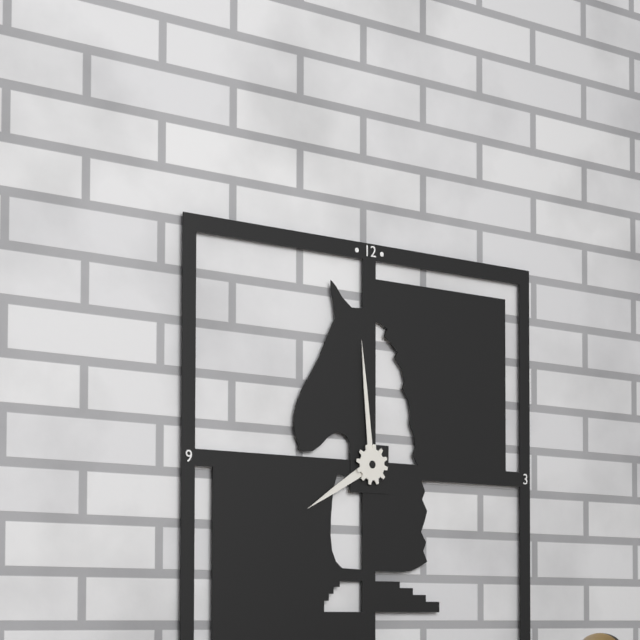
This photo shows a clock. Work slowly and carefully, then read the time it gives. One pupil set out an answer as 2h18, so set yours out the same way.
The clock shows 7h59
